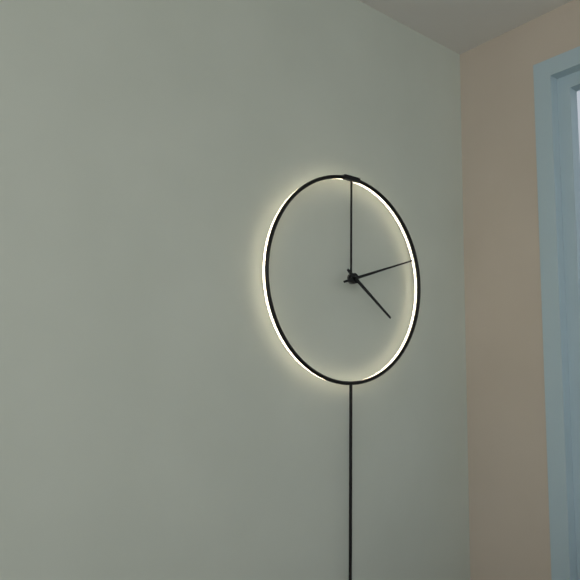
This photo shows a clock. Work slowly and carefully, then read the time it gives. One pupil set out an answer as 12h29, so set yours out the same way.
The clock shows 4h12
